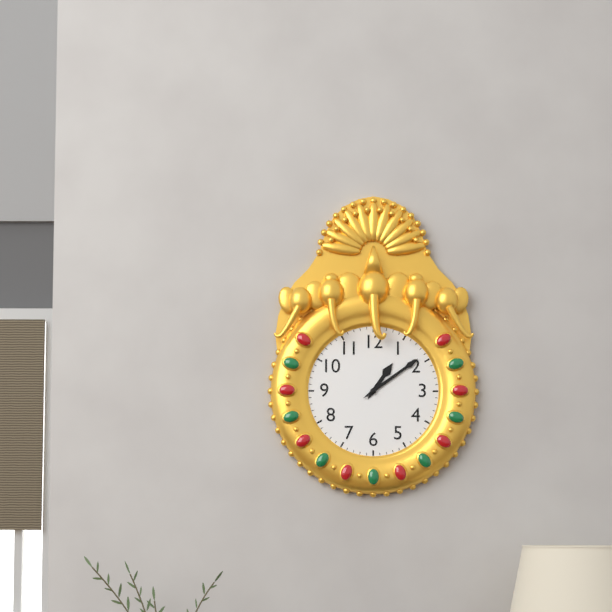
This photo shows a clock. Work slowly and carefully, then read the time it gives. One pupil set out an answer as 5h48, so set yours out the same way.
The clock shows 1h09
